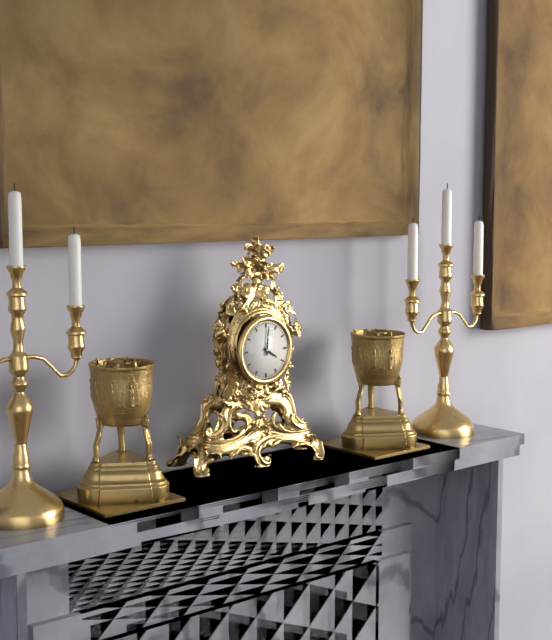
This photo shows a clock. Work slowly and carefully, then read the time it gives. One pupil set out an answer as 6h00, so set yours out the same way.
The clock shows 4h01
